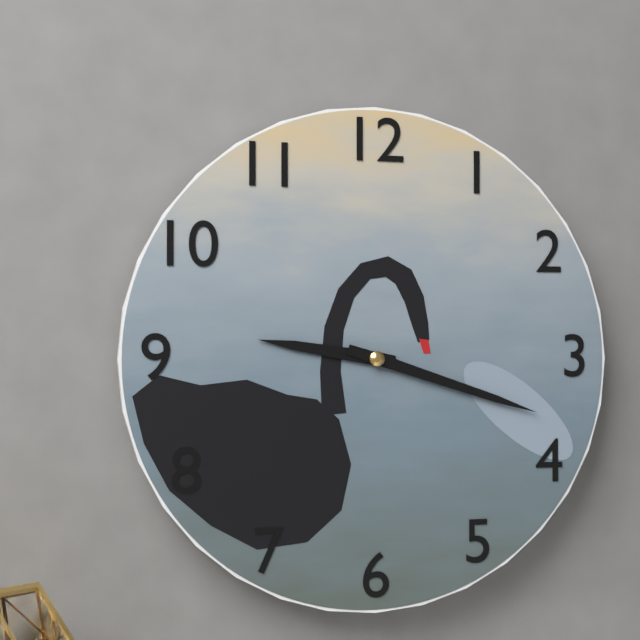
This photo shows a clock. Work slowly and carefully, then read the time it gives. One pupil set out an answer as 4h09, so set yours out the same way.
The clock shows 9h18
